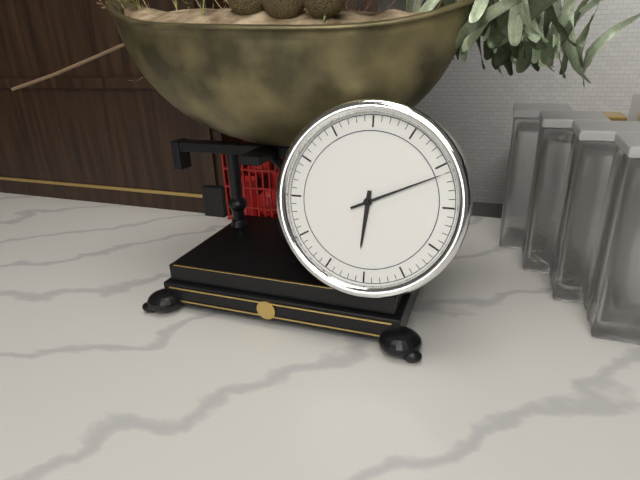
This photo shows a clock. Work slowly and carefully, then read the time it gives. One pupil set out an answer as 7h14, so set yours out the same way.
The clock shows 6h11
